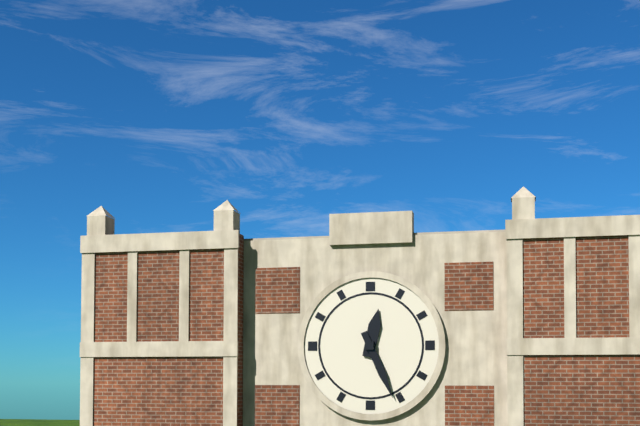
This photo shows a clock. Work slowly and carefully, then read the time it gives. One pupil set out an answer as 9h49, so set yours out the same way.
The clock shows 12h26
